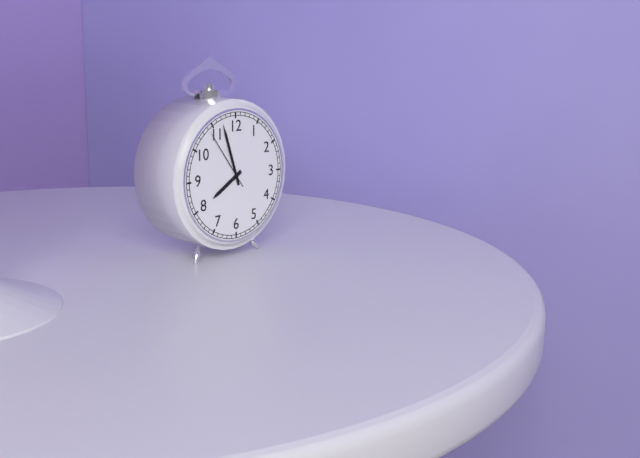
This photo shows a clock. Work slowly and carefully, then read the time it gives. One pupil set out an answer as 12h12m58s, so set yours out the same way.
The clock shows 7h57m54s
